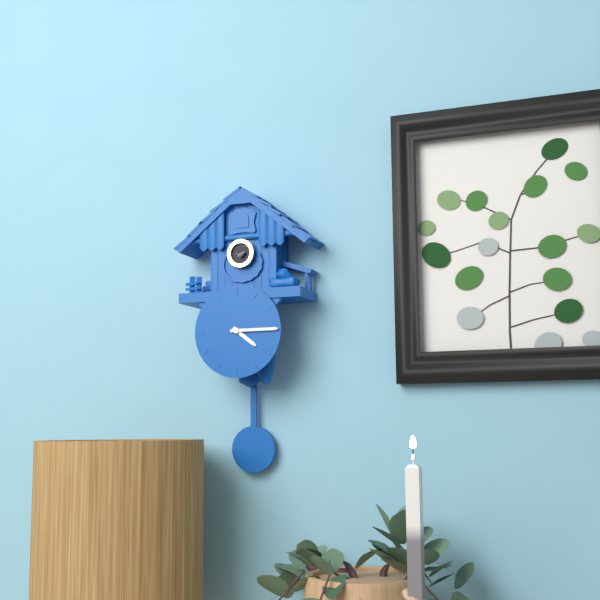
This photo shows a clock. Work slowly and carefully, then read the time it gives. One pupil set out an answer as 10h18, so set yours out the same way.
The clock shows 4h15
